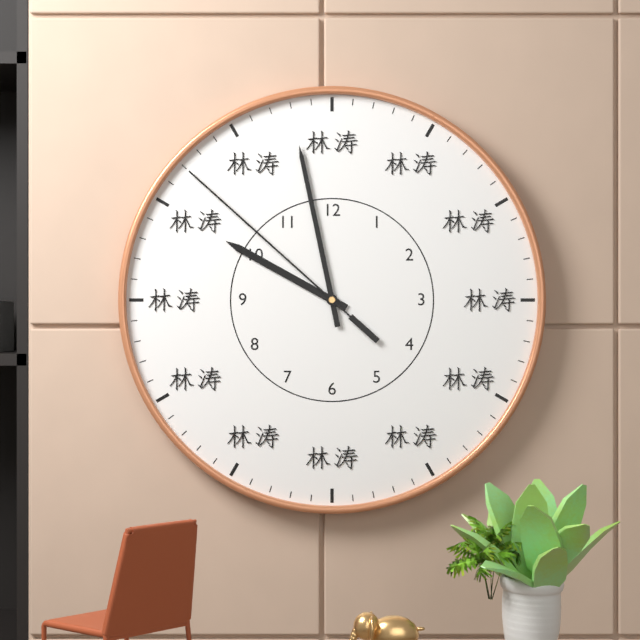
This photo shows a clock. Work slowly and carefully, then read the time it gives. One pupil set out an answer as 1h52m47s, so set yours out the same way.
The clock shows 9h58m52s
